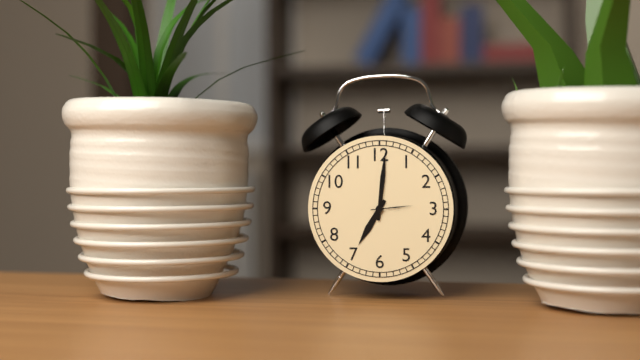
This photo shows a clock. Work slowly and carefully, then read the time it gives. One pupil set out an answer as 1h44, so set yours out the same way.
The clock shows 7h01
